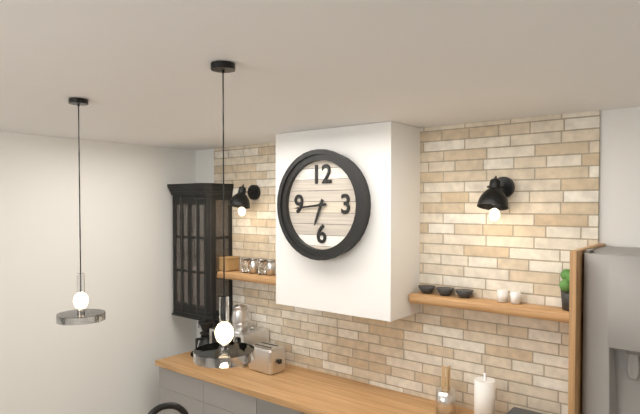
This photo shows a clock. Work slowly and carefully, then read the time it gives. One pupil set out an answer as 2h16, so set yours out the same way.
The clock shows 6h44
